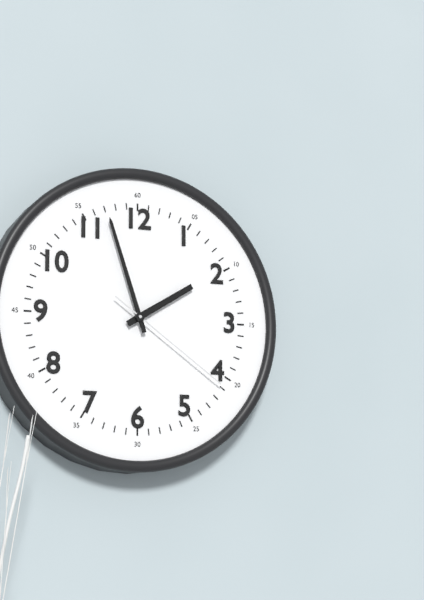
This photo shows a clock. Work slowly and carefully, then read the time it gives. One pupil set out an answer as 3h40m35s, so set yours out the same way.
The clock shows 1h57m21s
